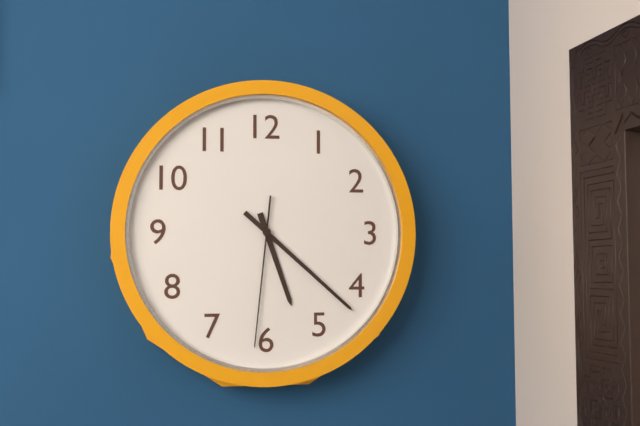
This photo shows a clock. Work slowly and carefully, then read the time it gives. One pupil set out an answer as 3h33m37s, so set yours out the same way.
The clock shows 5h22m31s
